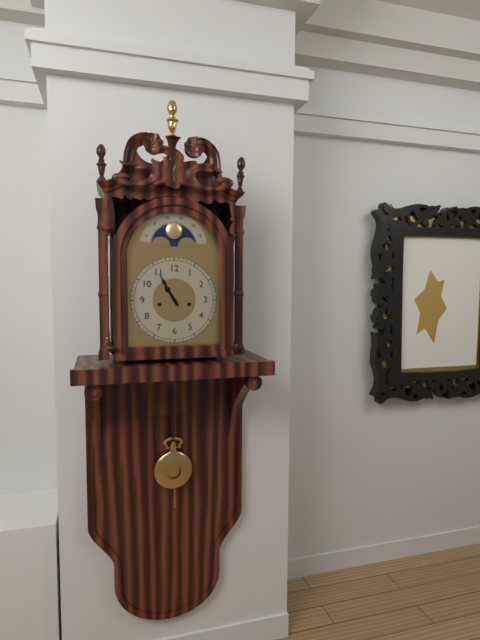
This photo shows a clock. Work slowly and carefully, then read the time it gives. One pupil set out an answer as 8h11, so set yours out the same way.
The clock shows 10h55
